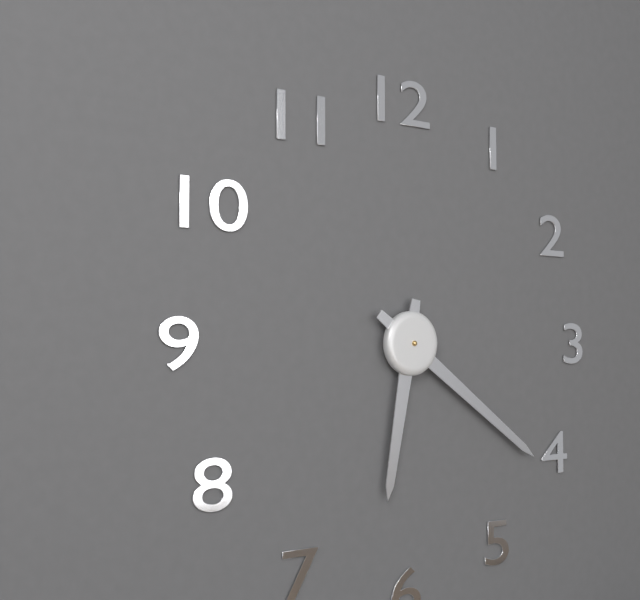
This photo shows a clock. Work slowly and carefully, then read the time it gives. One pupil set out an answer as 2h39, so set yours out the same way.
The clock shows 6h21
